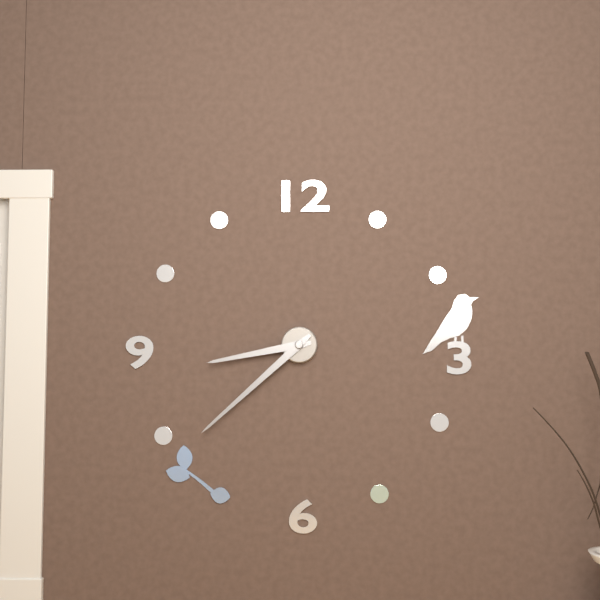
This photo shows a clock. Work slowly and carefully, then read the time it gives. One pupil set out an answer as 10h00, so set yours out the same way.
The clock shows 8h38
